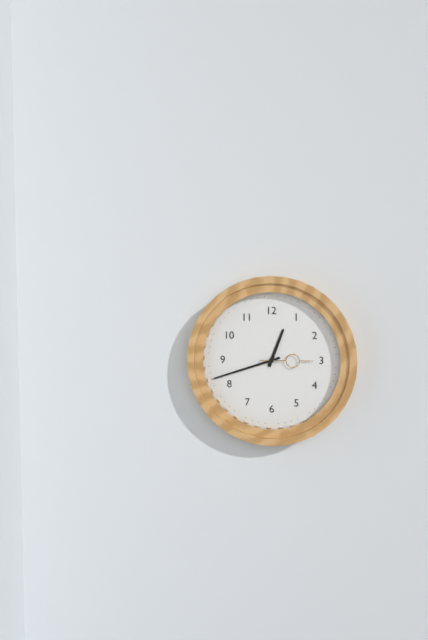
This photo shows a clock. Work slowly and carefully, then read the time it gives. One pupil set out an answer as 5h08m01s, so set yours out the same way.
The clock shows 12h42m15s
